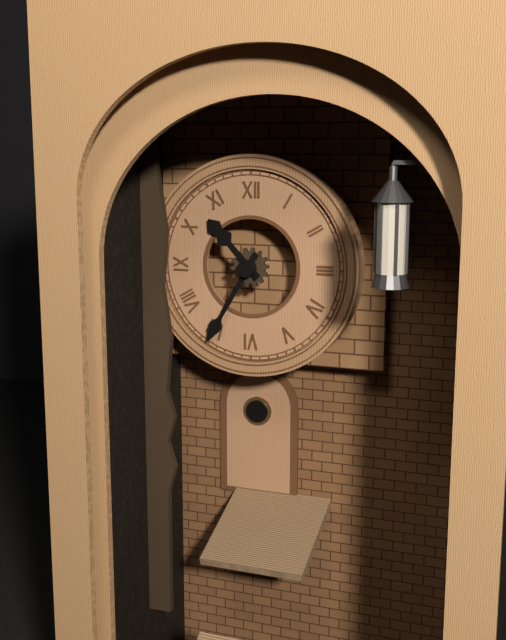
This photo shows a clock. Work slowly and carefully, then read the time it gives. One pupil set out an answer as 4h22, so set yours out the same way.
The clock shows 10h35
